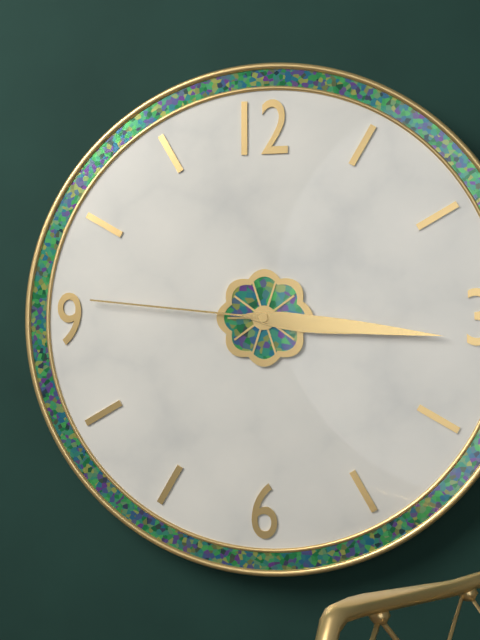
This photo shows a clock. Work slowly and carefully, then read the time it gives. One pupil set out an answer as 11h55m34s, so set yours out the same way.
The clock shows 3h16m46s
